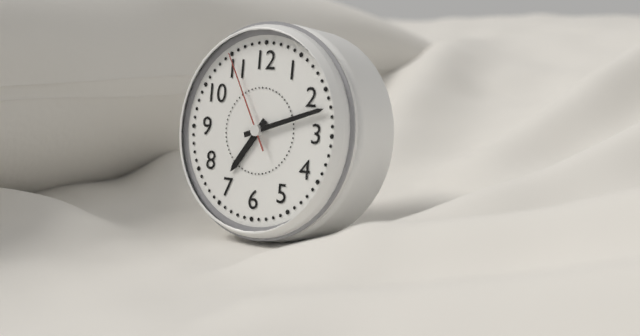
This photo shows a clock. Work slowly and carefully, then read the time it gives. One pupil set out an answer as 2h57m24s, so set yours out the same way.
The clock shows 7h12m55s
